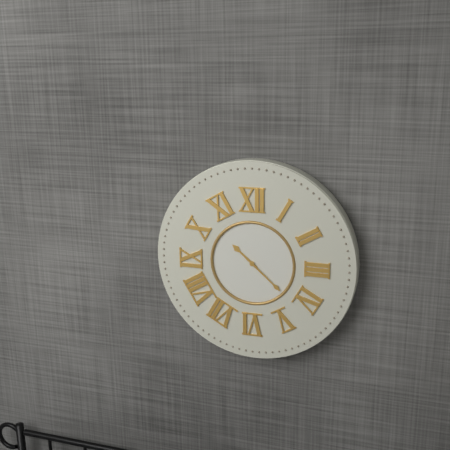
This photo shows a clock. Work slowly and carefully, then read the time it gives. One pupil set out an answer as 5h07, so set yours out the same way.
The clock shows 10h22
